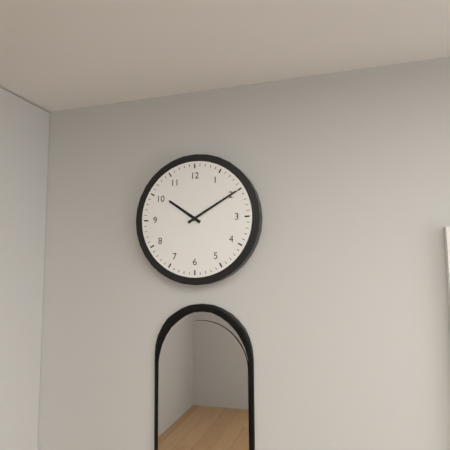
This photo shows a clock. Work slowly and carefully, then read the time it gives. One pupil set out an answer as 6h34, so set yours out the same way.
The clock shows 10h10
